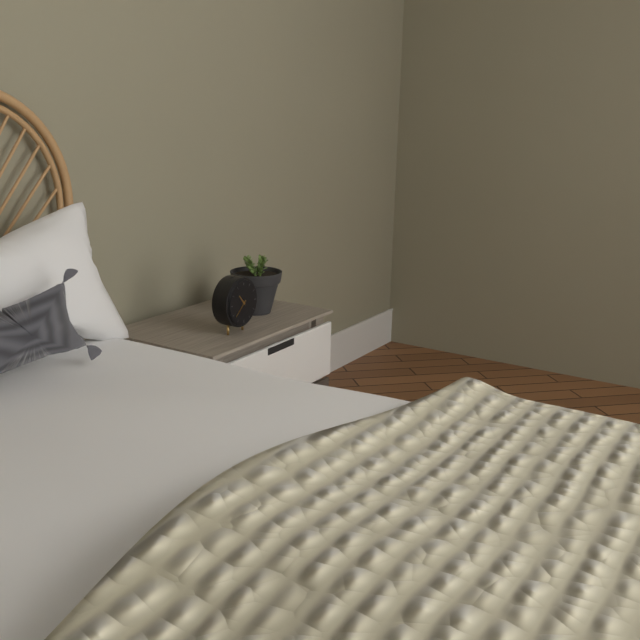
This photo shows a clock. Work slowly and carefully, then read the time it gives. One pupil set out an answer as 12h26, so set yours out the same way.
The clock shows 10h38
